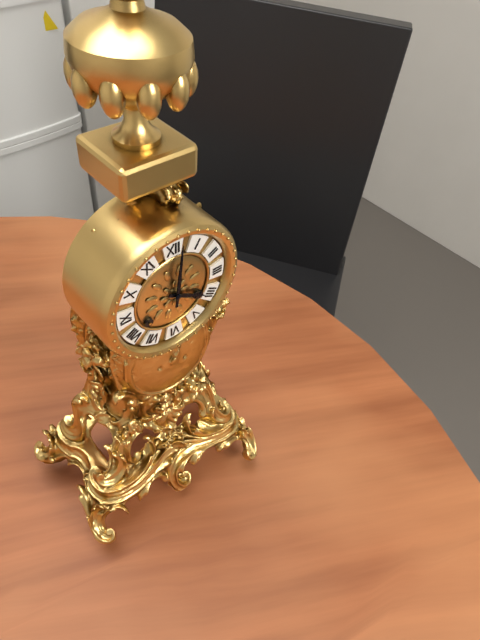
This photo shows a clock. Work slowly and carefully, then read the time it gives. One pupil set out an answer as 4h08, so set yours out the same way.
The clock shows 4h01
